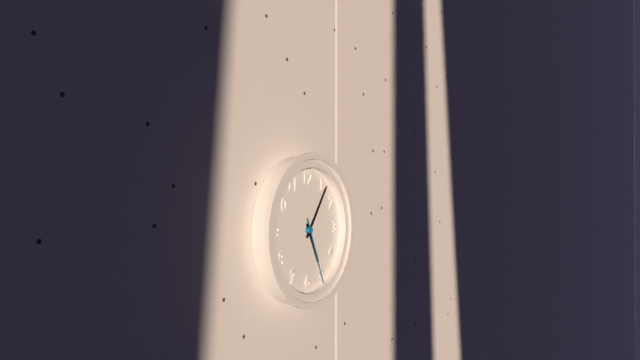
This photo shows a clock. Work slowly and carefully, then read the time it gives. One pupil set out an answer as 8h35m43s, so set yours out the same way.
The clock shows 5h06m26s
